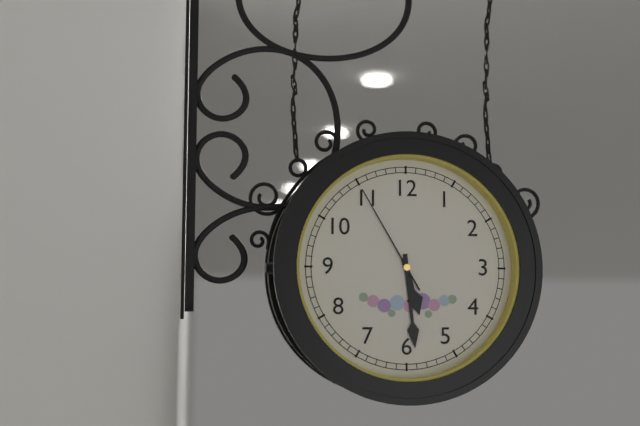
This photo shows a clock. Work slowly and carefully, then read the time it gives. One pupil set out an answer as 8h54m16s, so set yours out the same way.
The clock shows 5h29m55s
